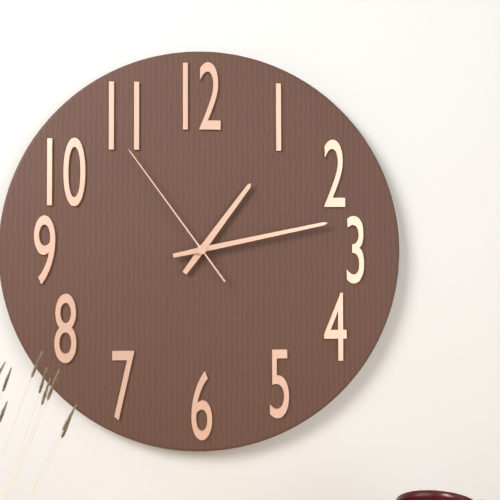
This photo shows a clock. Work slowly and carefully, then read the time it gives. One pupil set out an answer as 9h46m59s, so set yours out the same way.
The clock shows 1h13m54s
